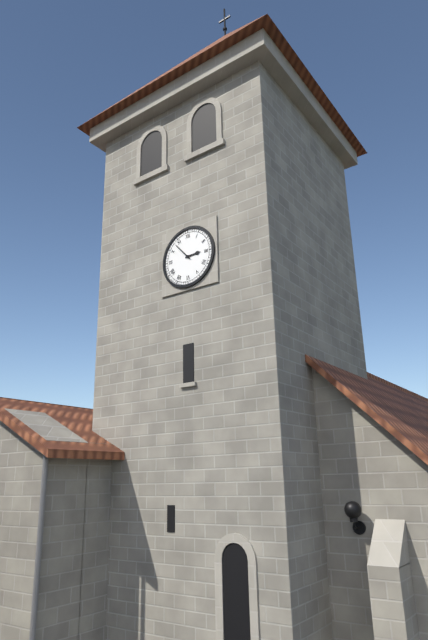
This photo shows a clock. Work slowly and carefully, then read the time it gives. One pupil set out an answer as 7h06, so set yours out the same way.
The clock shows 2h53
